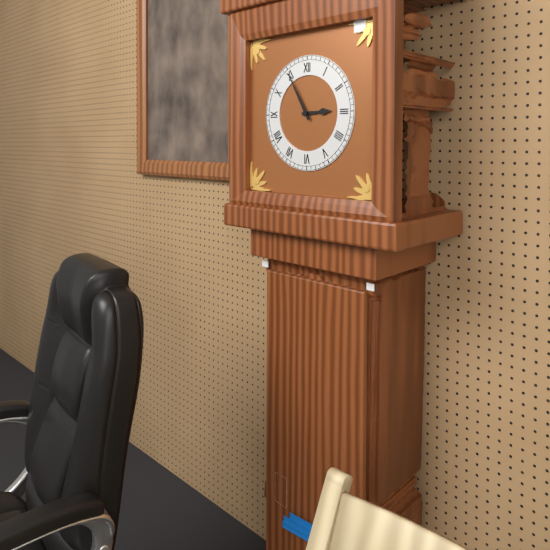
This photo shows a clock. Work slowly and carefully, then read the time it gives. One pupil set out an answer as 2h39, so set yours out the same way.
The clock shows 2h55
